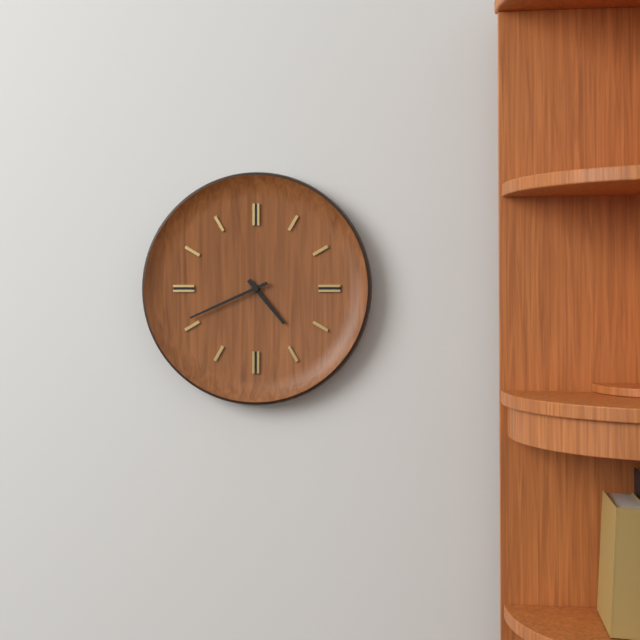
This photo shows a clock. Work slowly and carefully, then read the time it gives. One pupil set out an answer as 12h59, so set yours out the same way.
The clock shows 4h41
